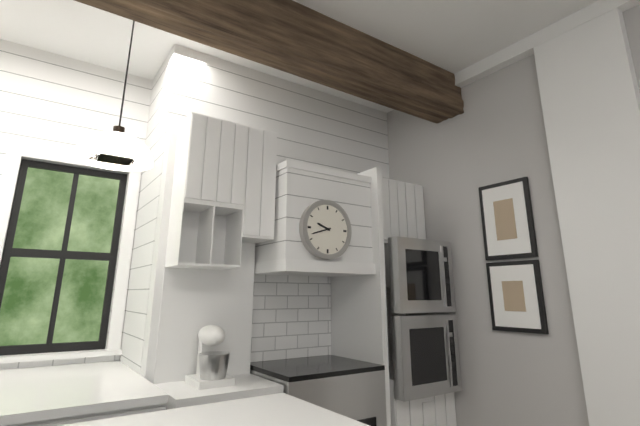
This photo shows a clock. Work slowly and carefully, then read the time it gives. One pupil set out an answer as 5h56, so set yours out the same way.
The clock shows 9h42
